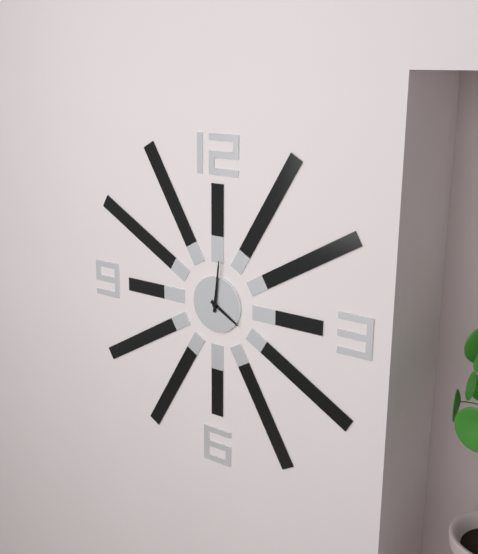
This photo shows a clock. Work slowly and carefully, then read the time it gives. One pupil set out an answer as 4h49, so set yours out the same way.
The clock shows 4h01
